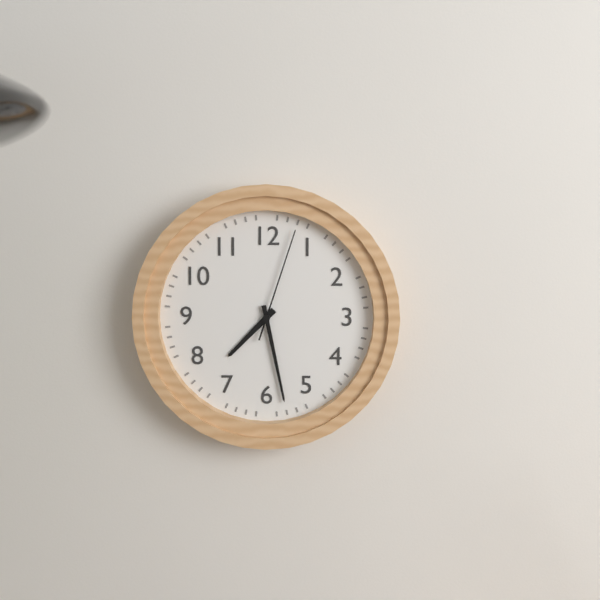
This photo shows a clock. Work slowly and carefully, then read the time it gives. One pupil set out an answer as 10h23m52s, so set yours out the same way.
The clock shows 7h28m03s
